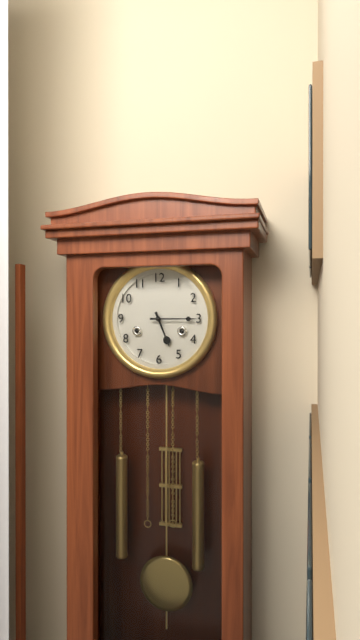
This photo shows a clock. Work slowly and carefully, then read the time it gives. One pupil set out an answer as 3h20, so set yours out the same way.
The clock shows 5h15
